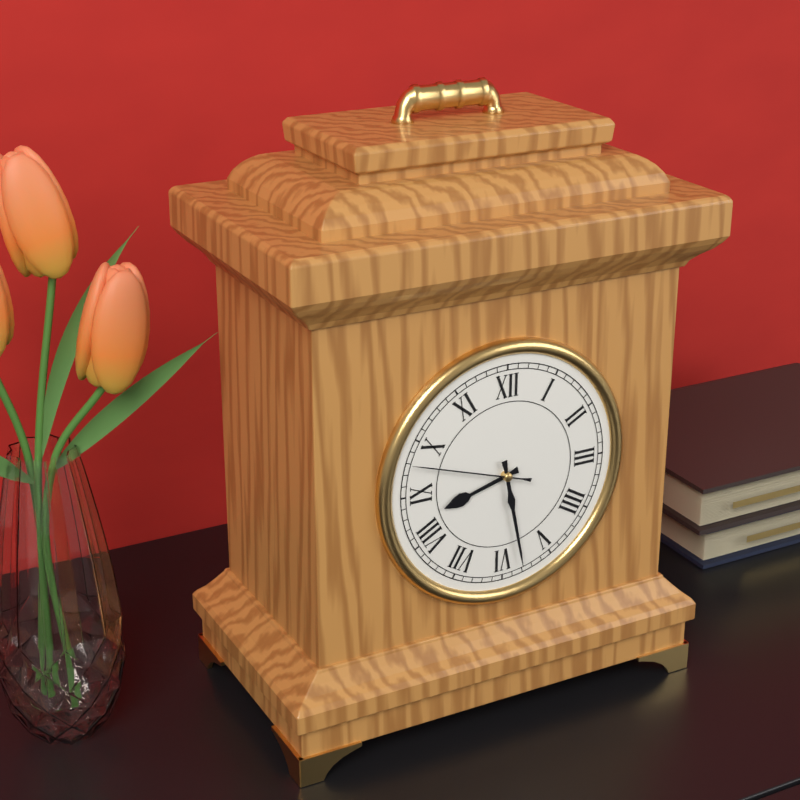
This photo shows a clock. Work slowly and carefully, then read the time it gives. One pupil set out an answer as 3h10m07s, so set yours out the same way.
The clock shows 8h28m48s
